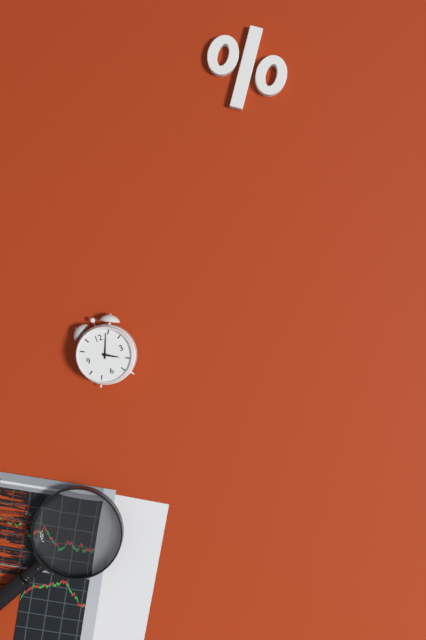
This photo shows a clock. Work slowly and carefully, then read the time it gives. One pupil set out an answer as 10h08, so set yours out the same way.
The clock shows 4h04
